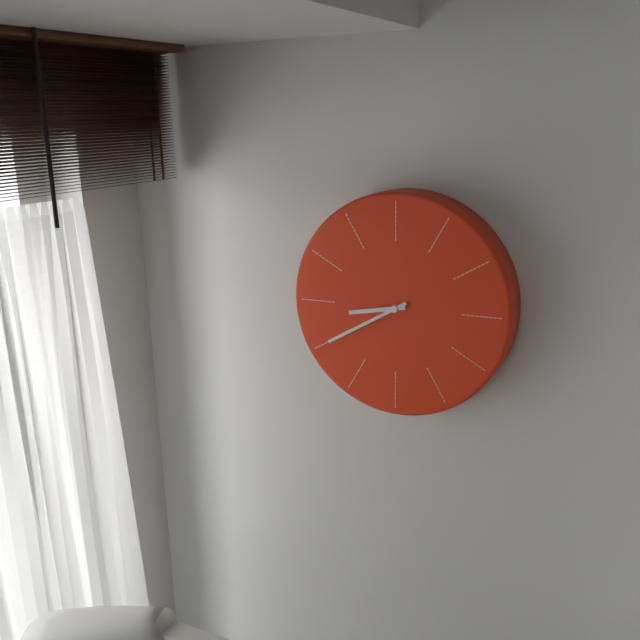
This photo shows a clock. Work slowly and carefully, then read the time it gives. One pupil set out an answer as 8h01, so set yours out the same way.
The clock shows 8h40
